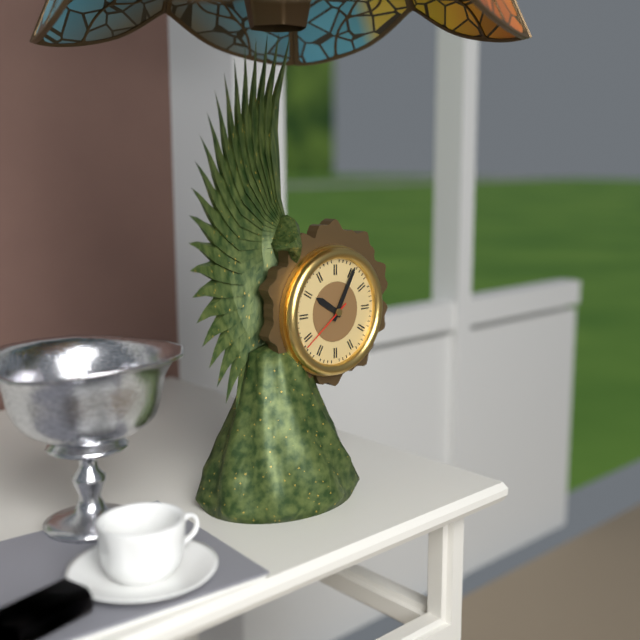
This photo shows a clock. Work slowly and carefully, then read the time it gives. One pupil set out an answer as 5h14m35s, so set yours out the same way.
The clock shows 10h05m39s
